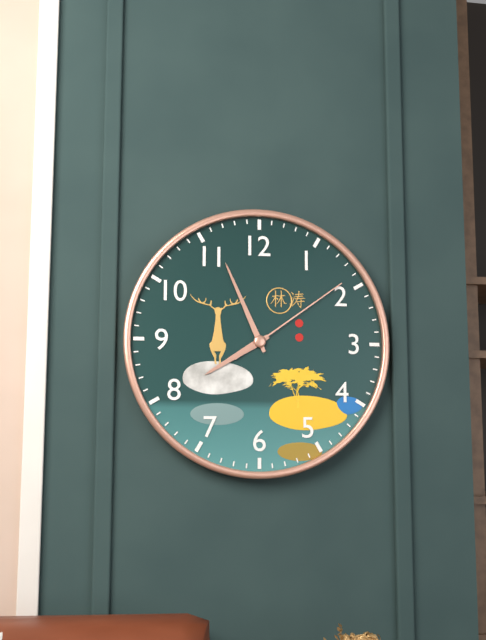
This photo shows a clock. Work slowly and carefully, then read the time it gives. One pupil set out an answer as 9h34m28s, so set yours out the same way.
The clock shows 7h56m09s
